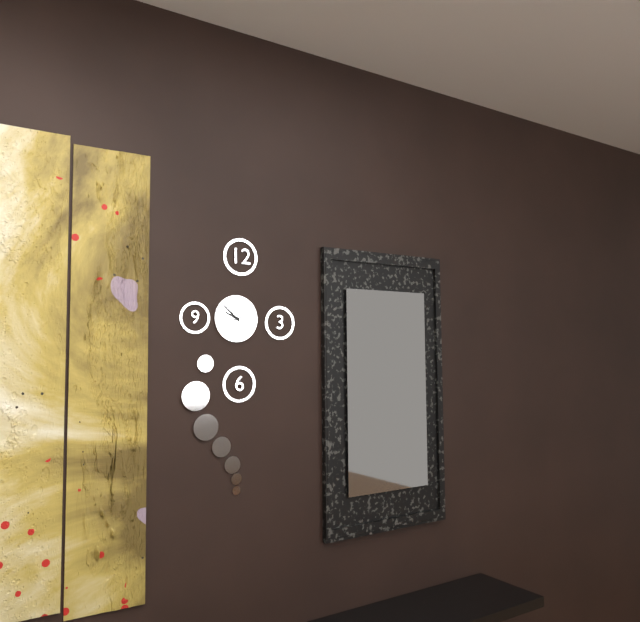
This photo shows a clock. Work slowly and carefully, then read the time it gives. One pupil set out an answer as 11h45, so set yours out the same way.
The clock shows 9h52
